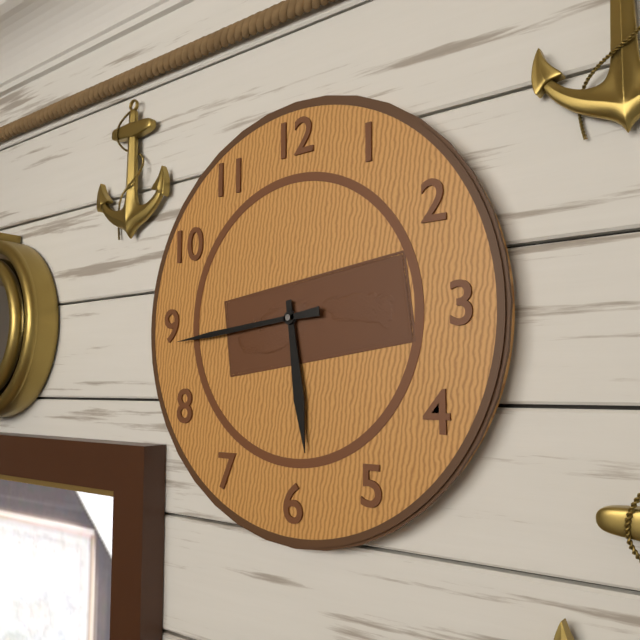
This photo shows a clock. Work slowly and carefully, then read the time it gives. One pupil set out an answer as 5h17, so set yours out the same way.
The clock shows 5h44
